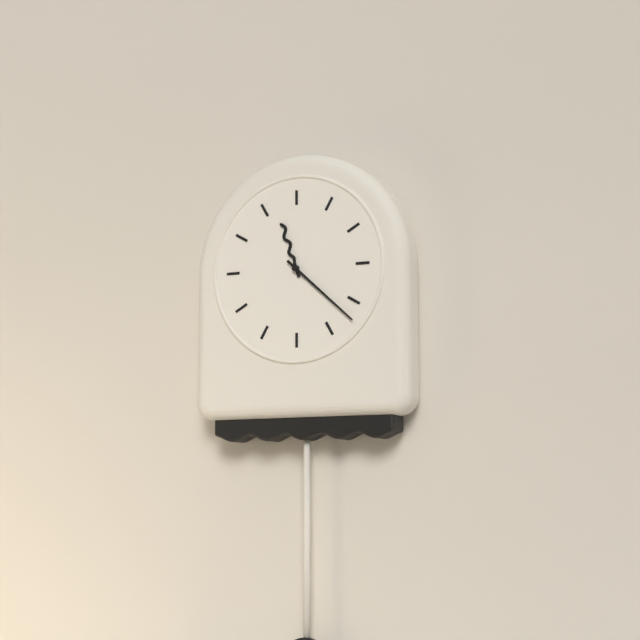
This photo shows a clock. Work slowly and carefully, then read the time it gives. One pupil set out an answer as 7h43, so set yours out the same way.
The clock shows 11h22
